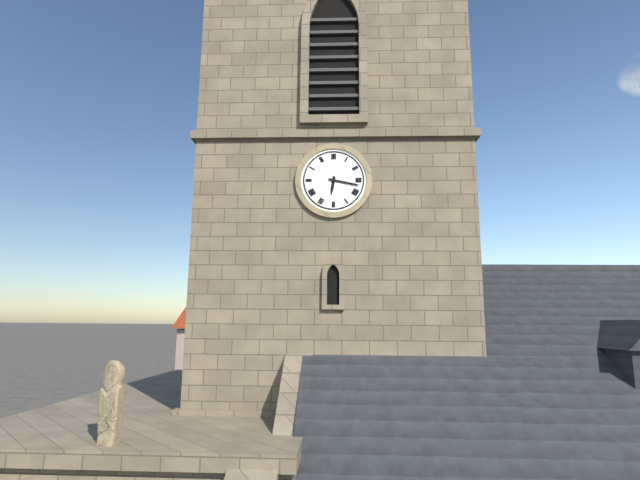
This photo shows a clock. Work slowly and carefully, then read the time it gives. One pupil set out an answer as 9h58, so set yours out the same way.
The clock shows 6h17
